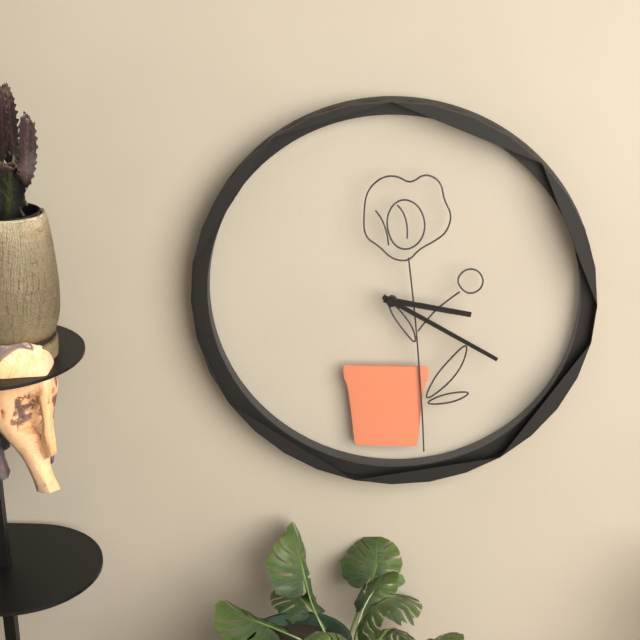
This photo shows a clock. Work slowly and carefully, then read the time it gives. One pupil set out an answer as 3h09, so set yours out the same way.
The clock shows 3h20
